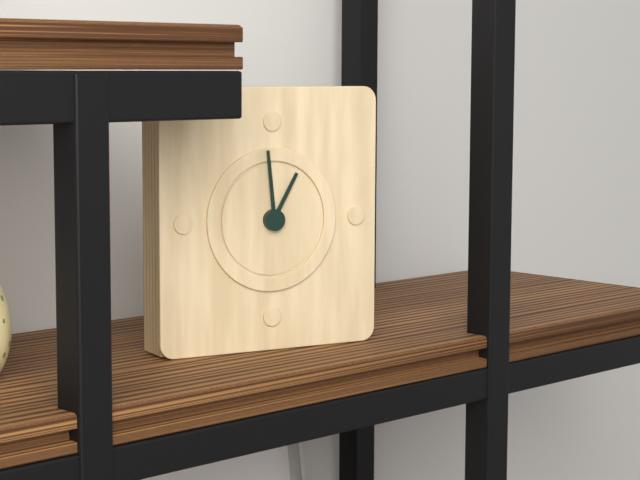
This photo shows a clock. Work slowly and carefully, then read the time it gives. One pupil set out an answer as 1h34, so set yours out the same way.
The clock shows 12h59
